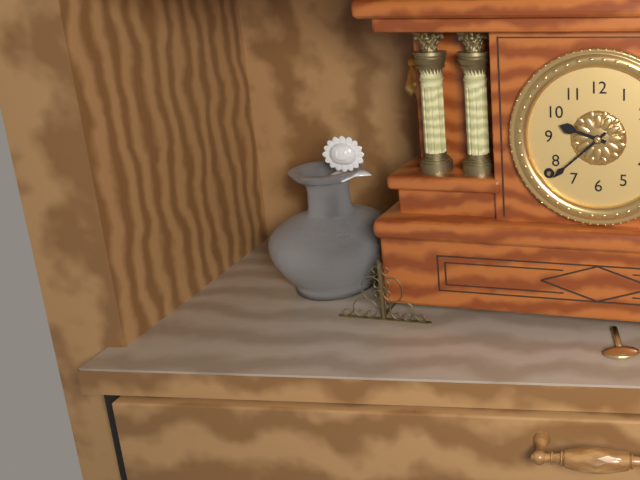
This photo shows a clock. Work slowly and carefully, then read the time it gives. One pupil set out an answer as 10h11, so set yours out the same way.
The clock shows 9h38
